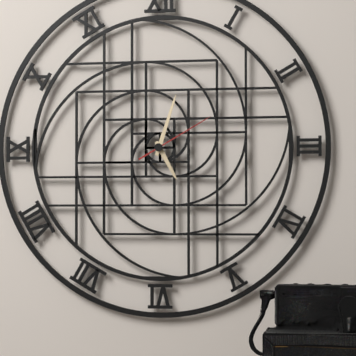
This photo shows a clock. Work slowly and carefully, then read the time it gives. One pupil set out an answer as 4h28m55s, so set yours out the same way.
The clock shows 5h03m10s
